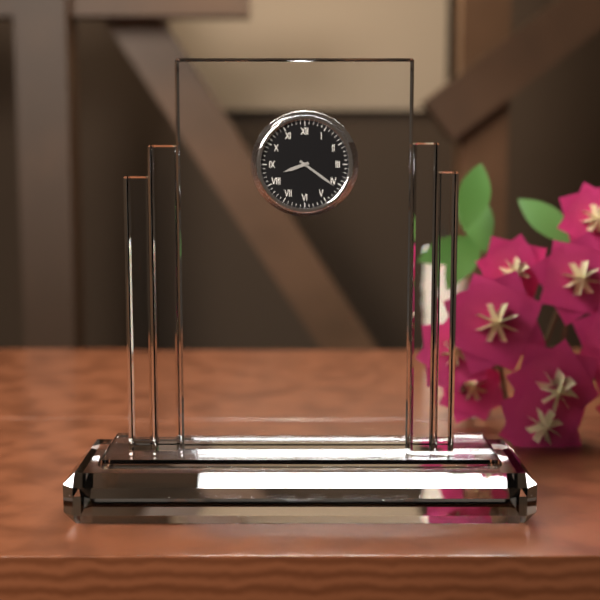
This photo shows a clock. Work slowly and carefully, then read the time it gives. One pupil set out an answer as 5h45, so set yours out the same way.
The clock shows 8h21
